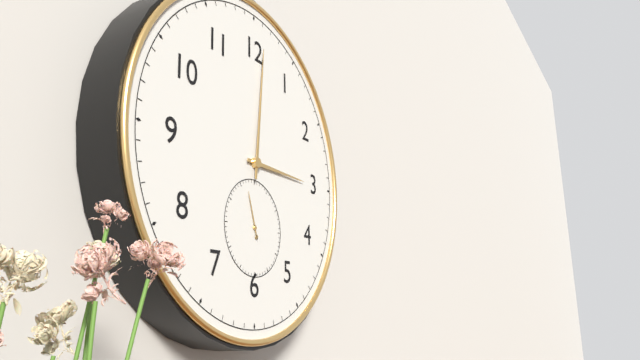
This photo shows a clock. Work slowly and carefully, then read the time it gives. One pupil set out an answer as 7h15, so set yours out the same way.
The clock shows 3h01
